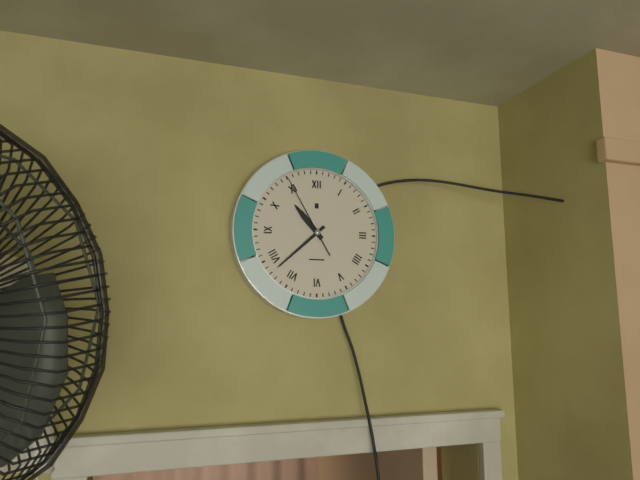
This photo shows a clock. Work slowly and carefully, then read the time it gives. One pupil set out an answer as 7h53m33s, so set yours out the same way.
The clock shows 10h38m55s
